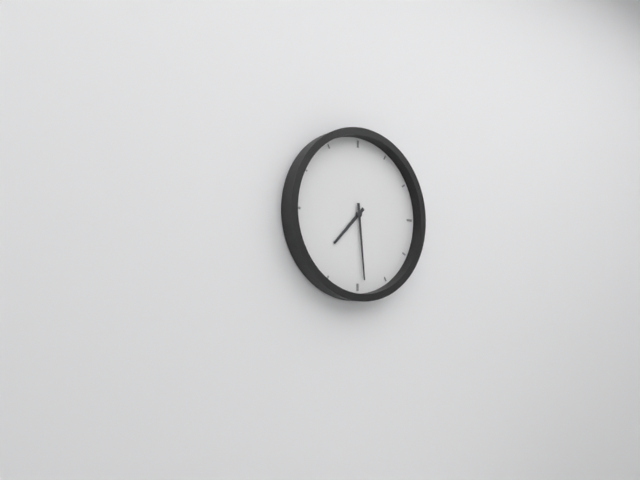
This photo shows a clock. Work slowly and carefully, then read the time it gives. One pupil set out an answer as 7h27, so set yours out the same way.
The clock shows 7h29
